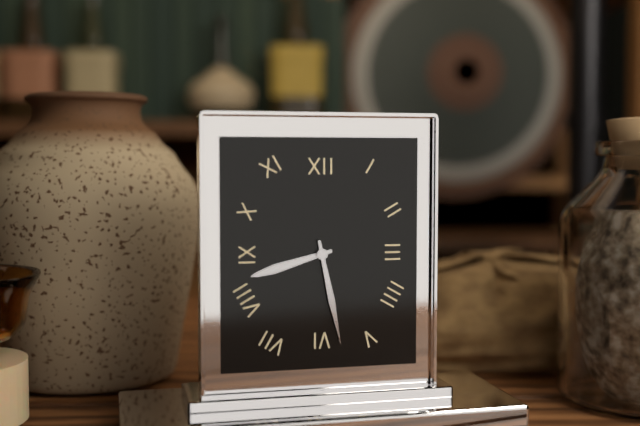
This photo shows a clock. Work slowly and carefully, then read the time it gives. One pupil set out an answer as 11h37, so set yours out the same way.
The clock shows 8h28
